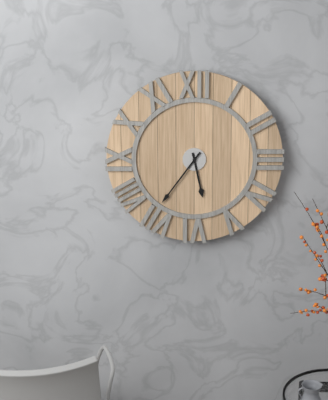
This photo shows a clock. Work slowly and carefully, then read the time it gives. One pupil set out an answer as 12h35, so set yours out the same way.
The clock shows 5h36
